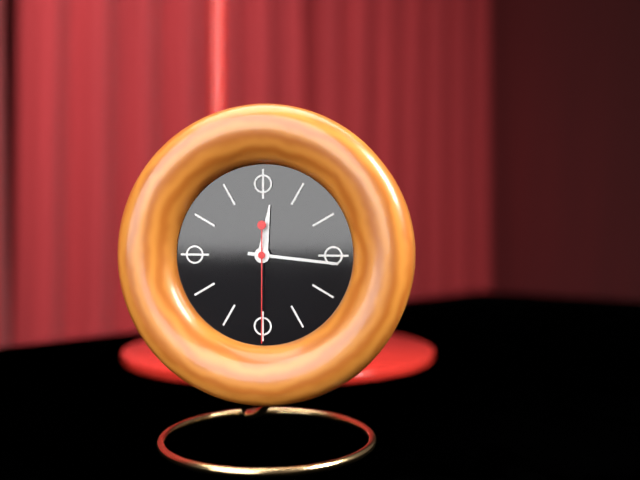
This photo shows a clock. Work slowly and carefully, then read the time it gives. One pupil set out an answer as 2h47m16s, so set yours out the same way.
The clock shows 12h16m30s
